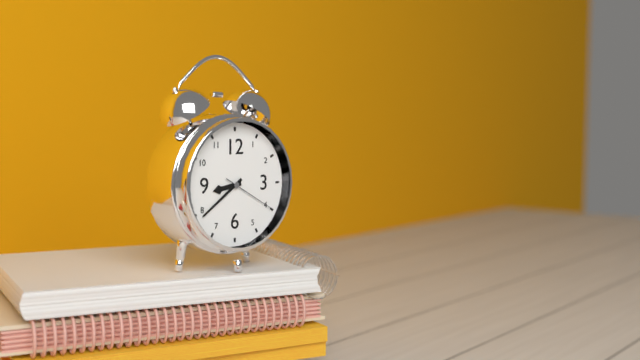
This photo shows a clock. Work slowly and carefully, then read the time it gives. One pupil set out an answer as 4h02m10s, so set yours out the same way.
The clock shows 8h39m20s
